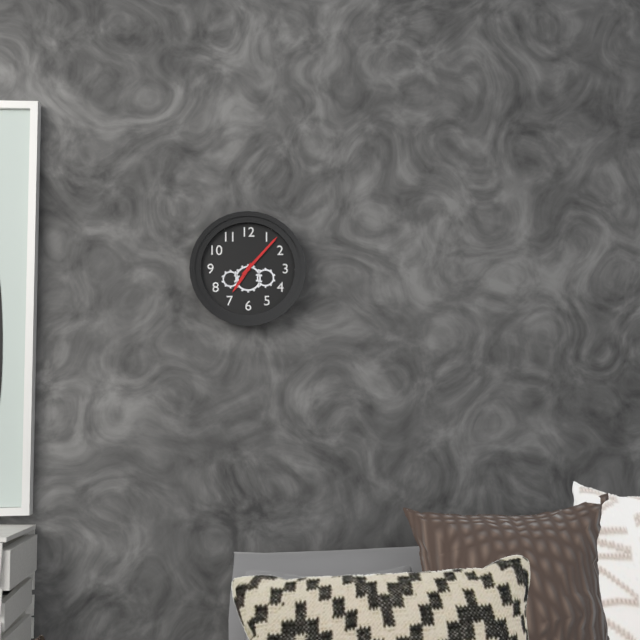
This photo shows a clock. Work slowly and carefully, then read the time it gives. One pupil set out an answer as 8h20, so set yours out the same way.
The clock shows 7h07
